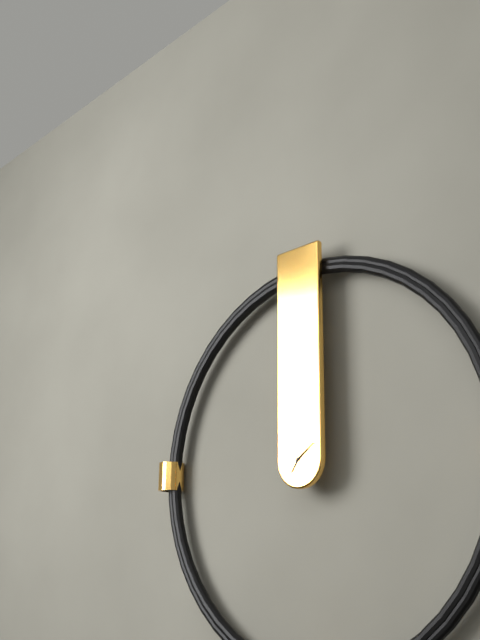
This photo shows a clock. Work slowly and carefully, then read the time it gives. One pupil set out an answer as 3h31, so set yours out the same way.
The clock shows 7h09
